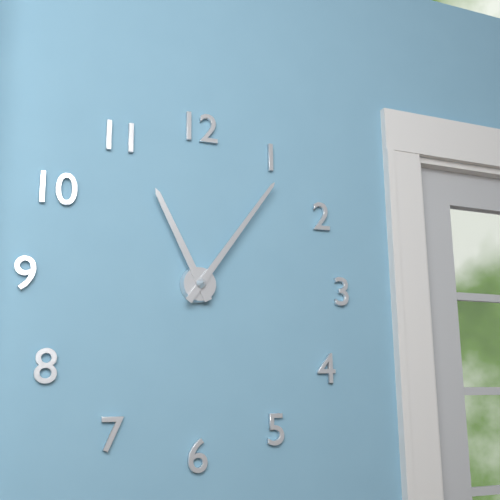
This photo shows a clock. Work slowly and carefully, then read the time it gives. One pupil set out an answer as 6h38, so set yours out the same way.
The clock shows 11h06
